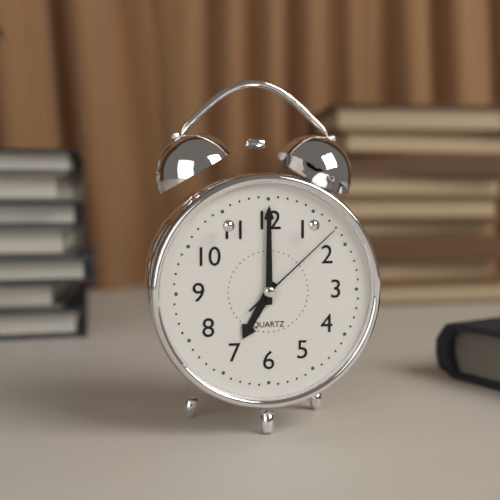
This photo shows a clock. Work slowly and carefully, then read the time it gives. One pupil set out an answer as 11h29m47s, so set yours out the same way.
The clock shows 7h00m08s
